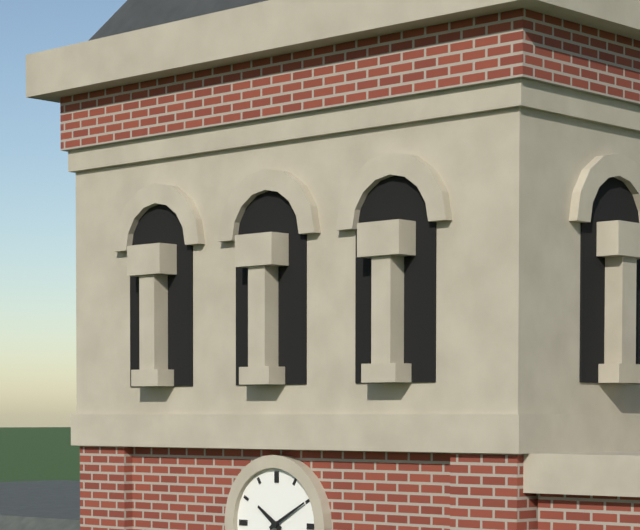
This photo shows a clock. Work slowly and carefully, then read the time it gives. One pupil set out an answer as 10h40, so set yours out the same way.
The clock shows 10h10
